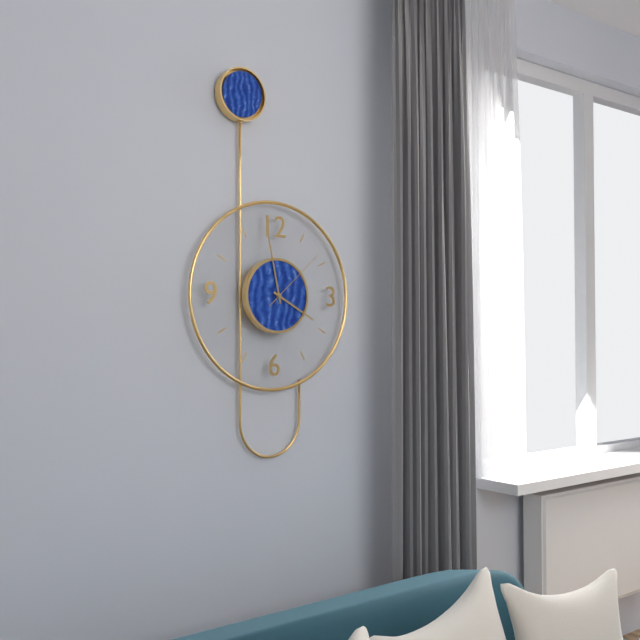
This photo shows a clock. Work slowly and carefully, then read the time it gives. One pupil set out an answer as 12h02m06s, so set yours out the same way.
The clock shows 3h58m08s
